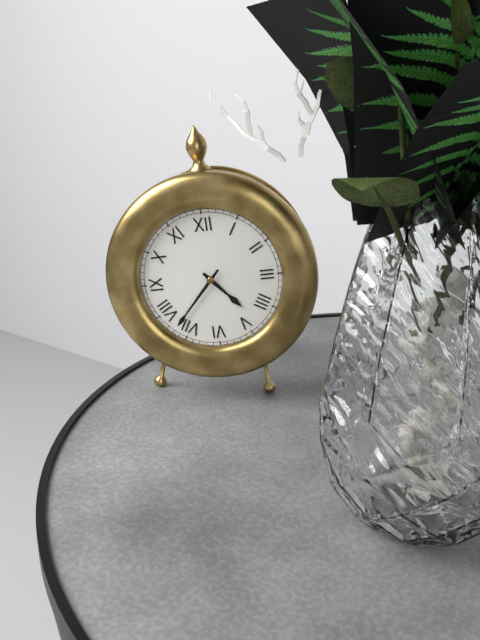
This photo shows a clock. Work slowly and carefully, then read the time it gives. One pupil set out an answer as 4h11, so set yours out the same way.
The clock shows 4h37
